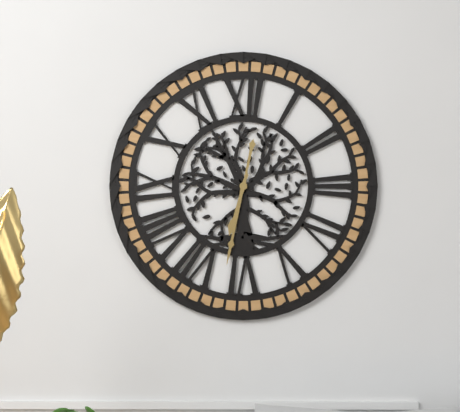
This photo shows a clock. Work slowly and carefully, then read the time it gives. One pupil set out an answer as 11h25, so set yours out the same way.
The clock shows 6h32
